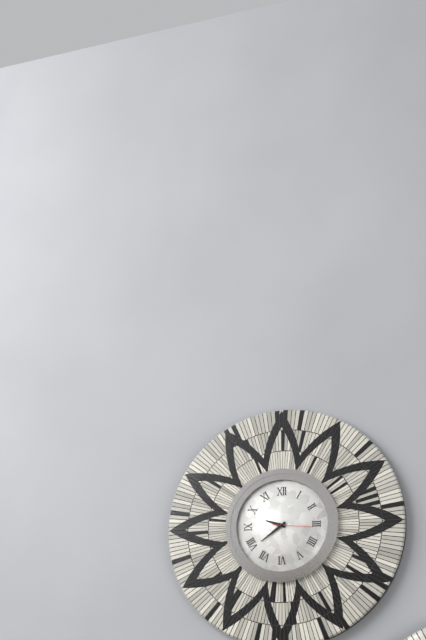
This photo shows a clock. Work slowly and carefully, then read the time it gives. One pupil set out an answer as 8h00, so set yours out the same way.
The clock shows 9h39
